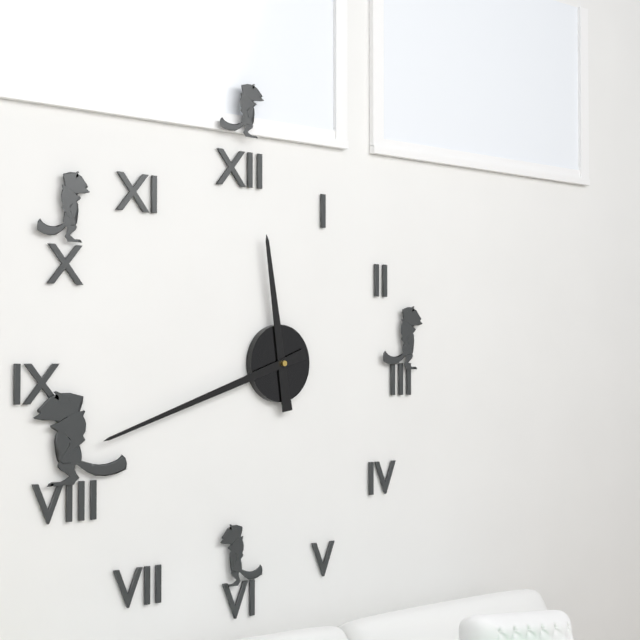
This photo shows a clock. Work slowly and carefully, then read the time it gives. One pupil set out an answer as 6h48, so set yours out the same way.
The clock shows 11h42
